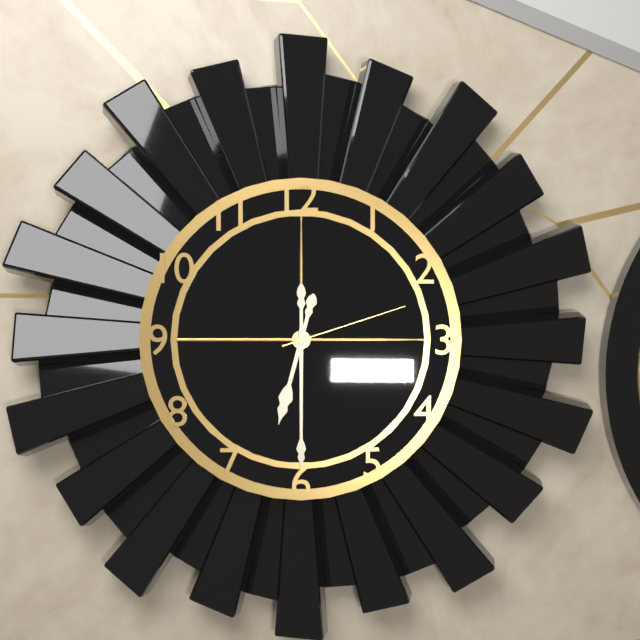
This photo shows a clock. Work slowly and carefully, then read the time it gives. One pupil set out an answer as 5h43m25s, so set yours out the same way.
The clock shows 6h30m12s
